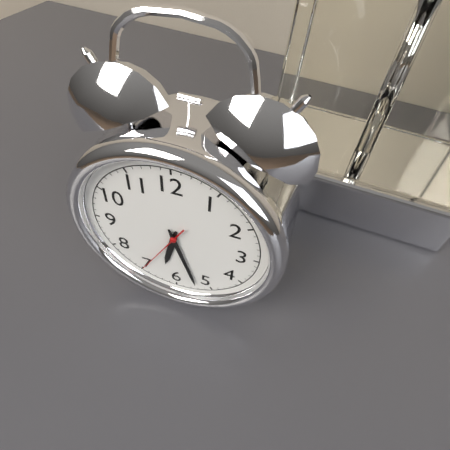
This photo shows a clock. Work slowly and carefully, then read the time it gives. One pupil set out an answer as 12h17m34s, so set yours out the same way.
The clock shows 6h27m35s
